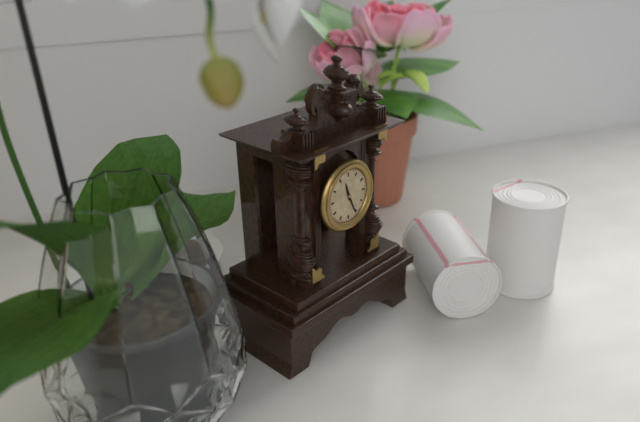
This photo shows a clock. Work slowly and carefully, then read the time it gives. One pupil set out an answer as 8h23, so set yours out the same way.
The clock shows 11h26
